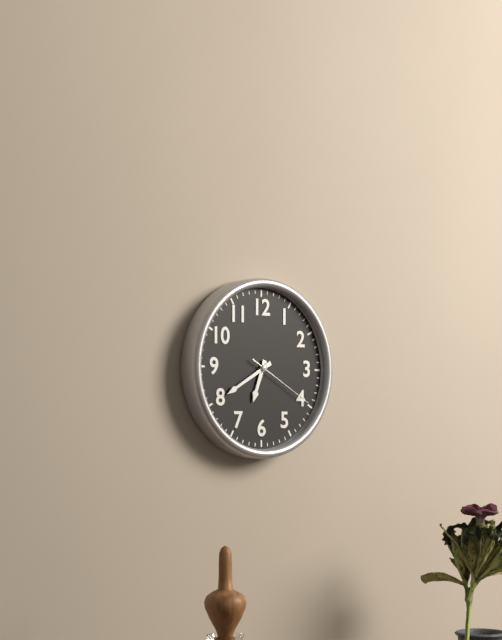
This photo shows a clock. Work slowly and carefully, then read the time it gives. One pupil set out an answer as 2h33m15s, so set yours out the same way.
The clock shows 6h40m20s
